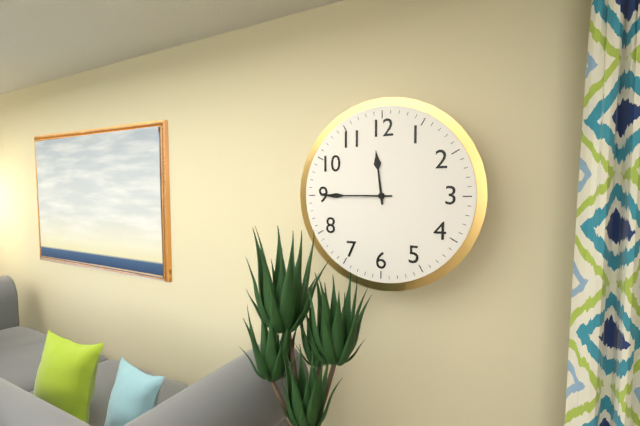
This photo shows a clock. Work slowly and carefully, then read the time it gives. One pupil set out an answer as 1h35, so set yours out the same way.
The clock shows 11h45
